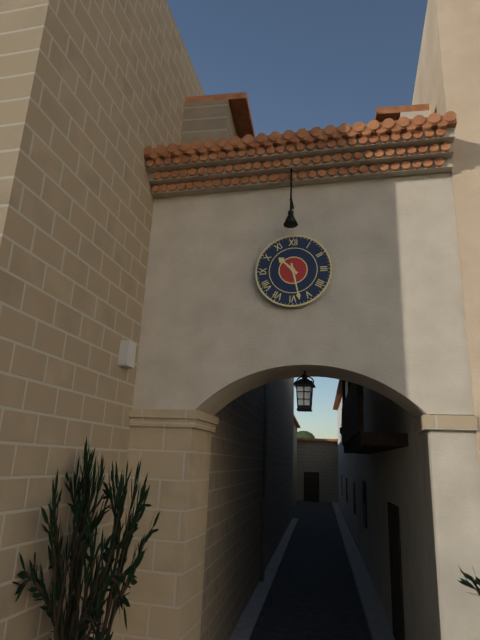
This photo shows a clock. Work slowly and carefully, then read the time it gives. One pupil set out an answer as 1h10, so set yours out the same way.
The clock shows 10h28
